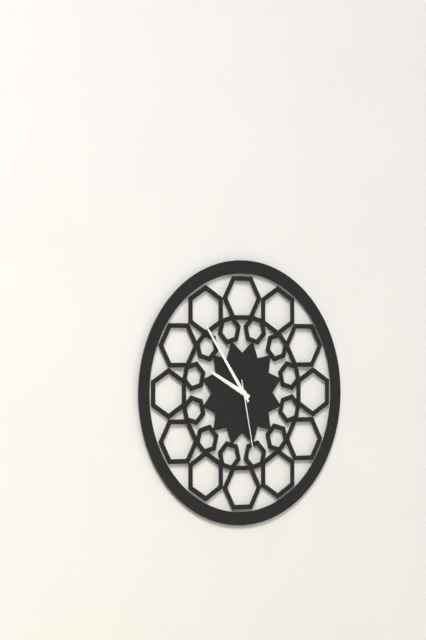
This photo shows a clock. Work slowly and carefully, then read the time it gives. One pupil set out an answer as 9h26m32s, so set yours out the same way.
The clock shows 9h54m28s
